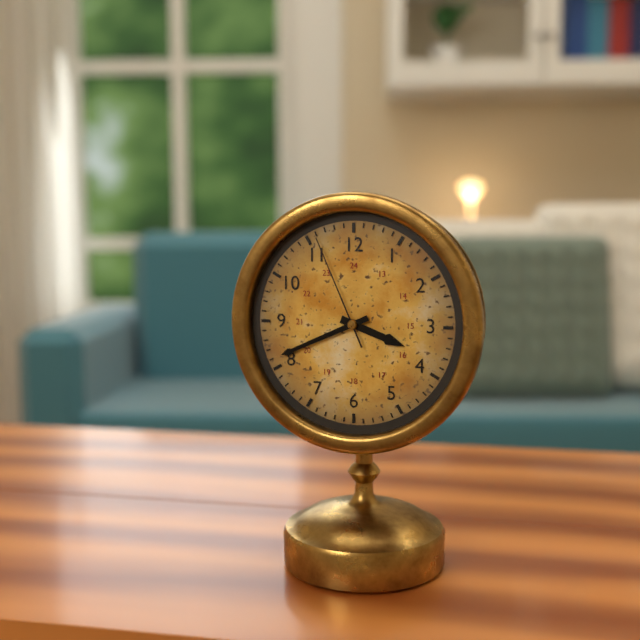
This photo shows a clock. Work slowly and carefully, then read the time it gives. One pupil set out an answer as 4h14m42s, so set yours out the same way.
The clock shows 3h41m56s
